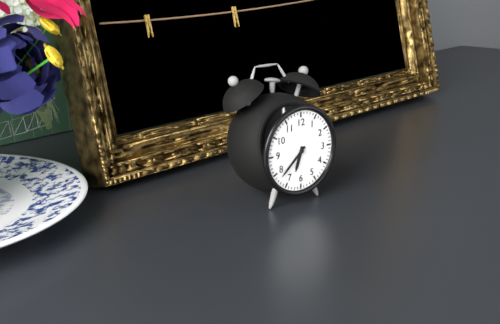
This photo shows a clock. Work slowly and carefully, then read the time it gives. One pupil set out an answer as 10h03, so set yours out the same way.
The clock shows 6h38
